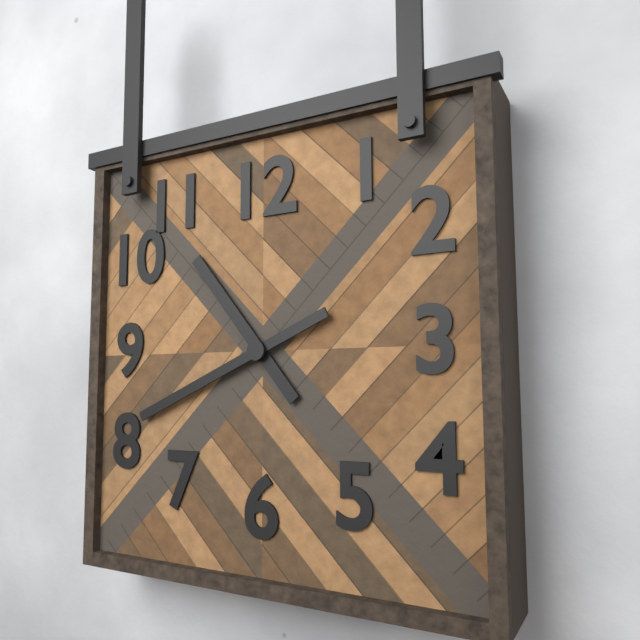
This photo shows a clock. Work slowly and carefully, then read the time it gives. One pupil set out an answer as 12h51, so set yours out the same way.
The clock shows 10h41
